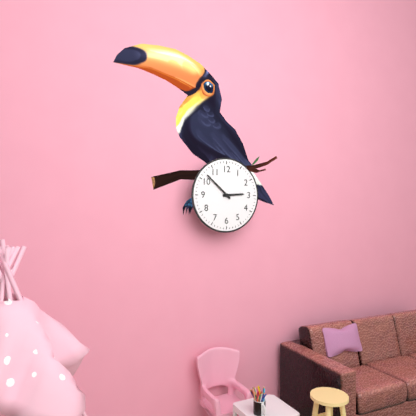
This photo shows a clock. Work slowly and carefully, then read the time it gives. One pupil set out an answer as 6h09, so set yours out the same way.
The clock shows 2h52
